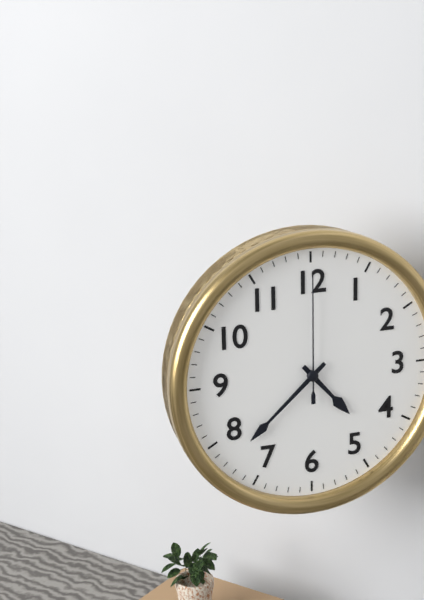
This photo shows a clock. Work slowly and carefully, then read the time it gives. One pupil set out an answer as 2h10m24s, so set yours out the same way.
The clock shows 4h38m00s
